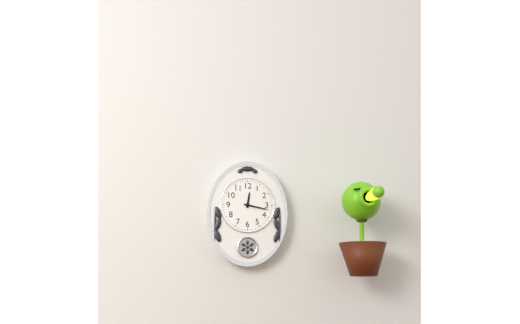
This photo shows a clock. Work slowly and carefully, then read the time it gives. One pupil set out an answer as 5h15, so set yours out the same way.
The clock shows 12h17
